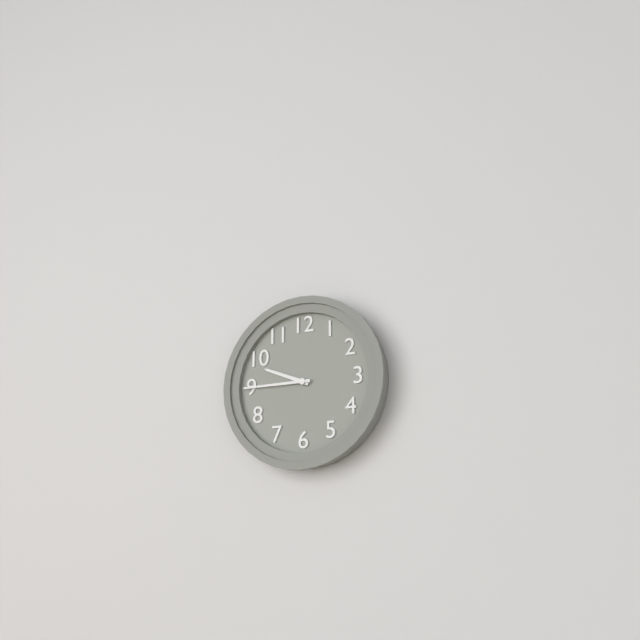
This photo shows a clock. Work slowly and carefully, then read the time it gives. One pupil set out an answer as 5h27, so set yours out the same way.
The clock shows 9h45
